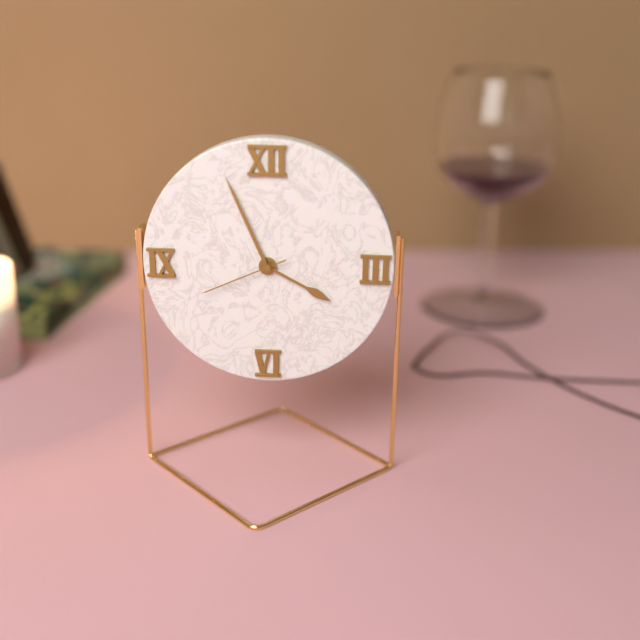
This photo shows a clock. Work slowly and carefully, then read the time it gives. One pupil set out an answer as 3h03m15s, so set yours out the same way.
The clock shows 3h56m41s
